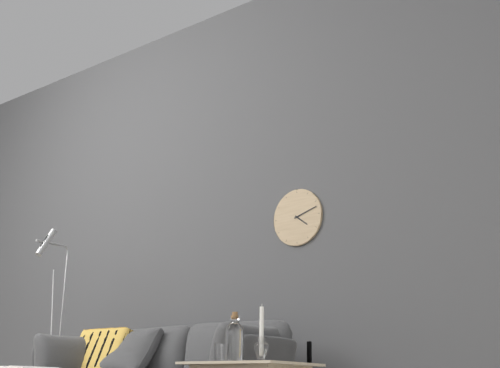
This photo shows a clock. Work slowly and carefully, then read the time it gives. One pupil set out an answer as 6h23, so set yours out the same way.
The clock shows 4h12
